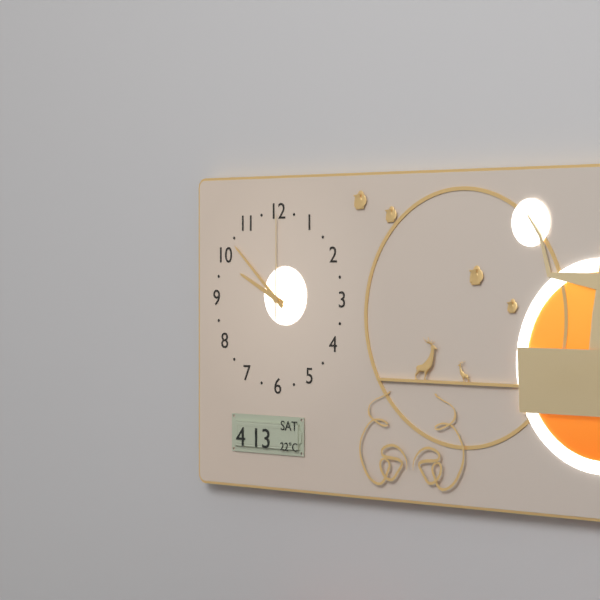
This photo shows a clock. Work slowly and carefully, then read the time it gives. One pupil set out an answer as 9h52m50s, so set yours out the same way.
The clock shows 9h52m00s
